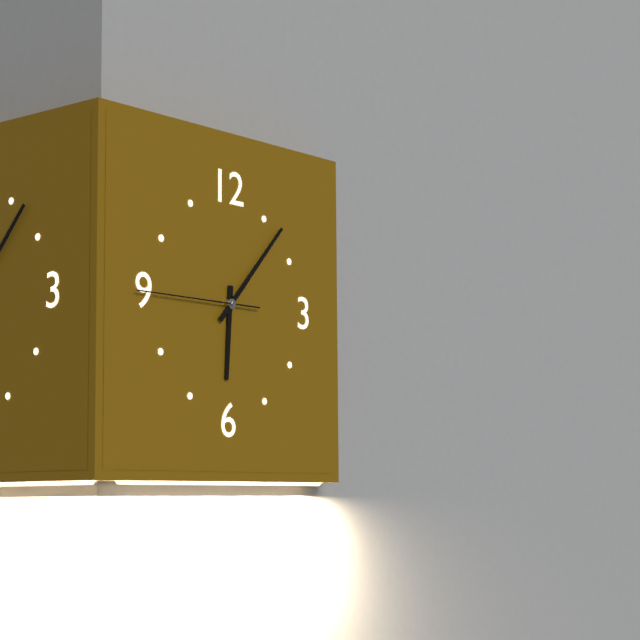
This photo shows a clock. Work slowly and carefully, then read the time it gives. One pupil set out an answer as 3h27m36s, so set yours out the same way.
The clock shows 6h07m45s
